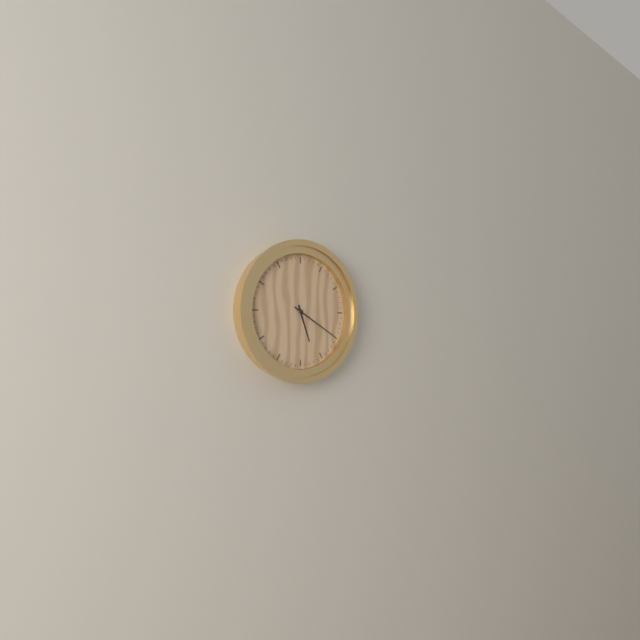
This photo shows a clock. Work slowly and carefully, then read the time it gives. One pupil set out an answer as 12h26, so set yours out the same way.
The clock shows 5h20
